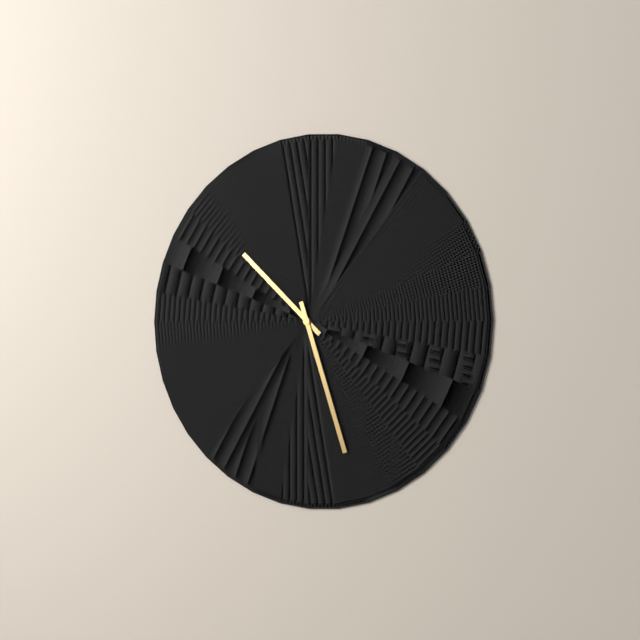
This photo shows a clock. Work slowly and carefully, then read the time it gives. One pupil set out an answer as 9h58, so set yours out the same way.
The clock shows 10h27
